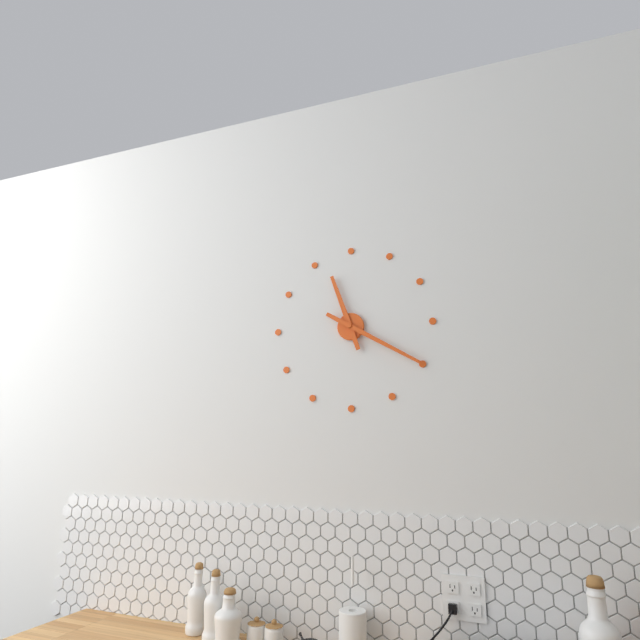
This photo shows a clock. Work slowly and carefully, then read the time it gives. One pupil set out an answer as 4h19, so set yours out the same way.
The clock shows 11h20
